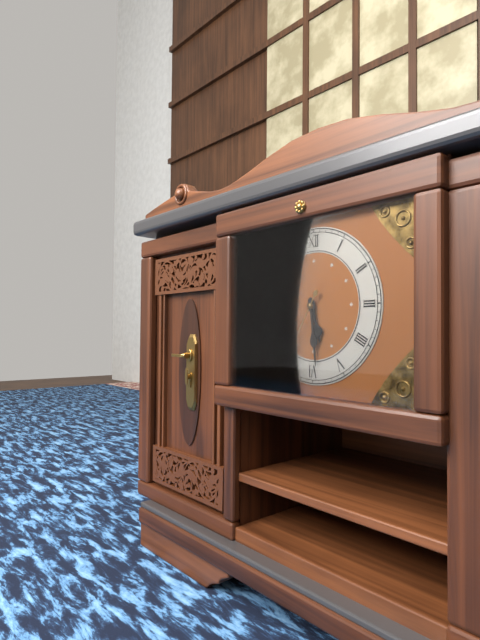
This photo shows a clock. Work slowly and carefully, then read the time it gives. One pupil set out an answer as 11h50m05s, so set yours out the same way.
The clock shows 5h29m35s
